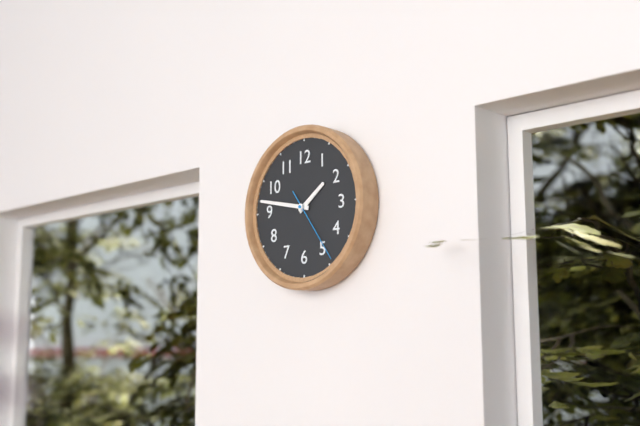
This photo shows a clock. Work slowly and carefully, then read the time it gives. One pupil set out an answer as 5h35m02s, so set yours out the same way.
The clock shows 1h47m24s
